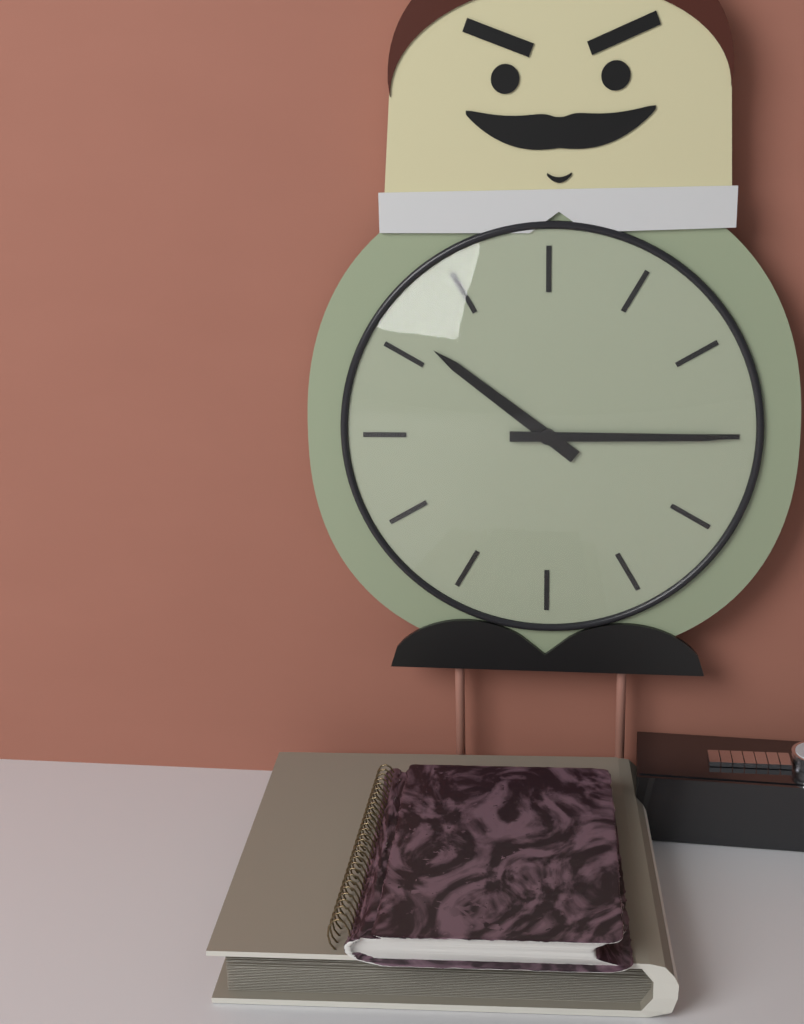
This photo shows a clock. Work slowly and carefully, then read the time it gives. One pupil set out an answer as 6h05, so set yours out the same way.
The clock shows 10h15
